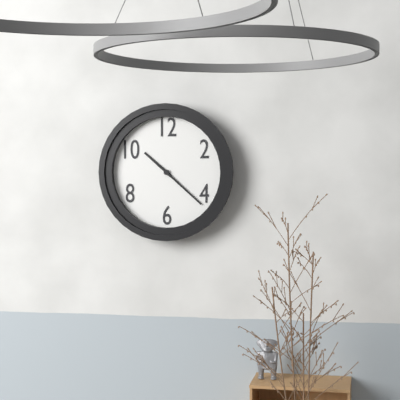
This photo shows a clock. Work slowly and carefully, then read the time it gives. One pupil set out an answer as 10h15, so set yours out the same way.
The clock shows 10h22
